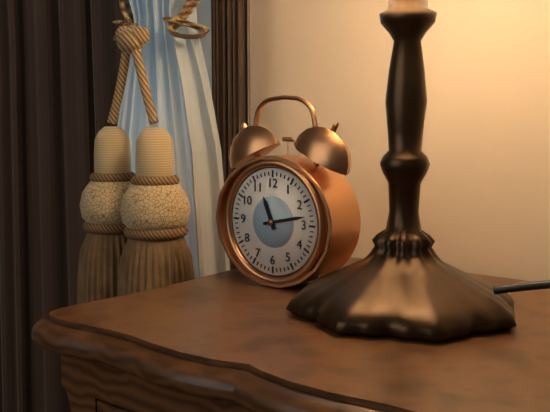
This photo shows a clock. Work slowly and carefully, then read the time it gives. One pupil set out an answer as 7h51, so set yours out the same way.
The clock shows 11h13
